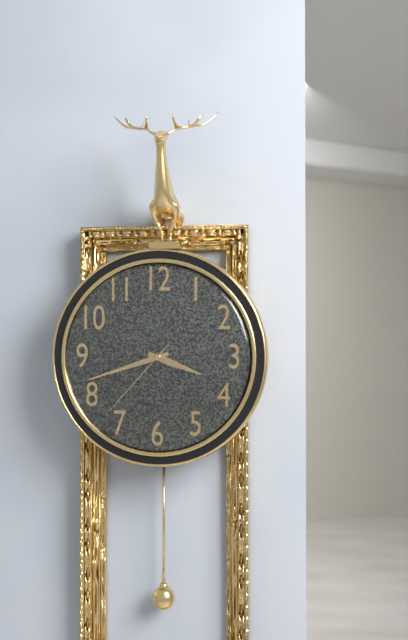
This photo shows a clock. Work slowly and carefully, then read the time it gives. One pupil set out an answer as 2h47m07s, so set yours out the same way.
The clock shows 3h42m37s
